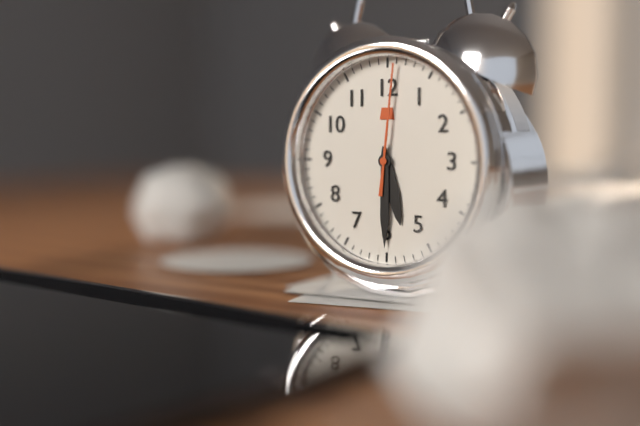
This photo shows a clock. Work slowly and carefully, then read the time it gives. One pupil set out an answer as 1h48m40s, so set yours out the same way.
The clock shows 5h30m01s
